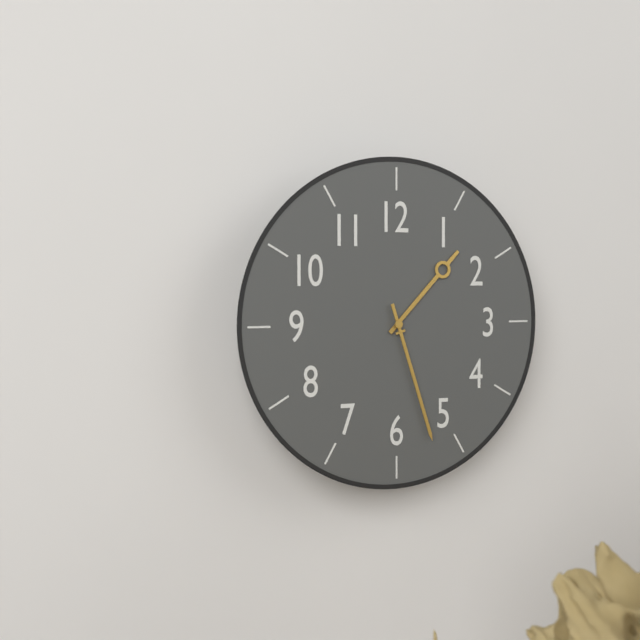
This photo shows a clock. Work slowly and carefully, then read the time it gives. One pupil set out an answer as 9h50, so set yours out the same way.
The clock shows 1h27
